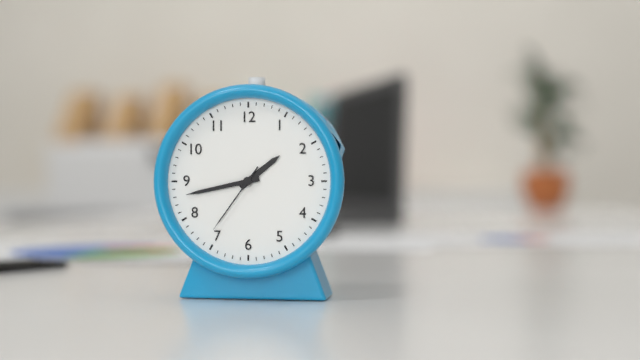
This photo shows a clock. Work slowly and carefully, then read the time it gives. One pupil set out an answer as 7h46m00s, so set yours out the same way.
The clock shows 1h43m36s
